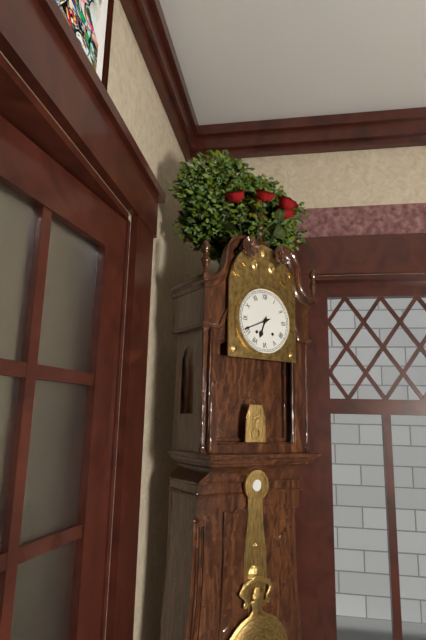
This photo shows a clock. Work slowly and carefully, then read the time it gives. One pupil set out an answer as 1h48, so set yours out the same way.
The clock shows 6h41
